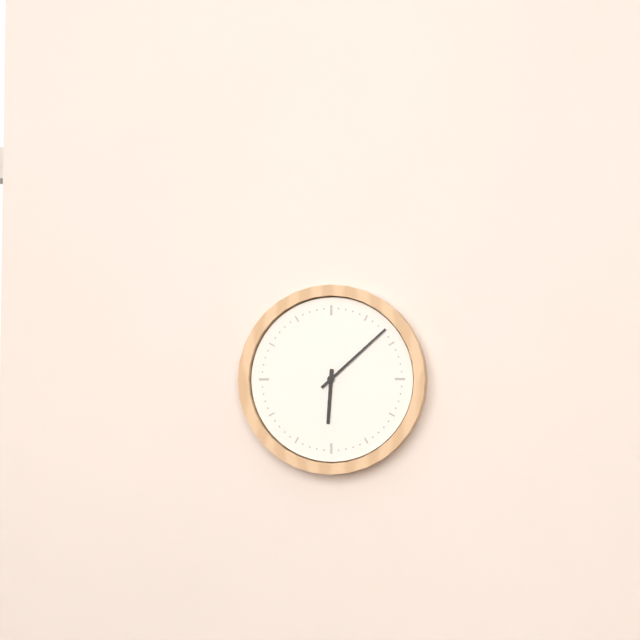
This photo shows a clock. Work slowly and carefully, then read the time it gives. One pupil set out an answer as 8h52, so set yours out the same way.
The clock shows 6h08
